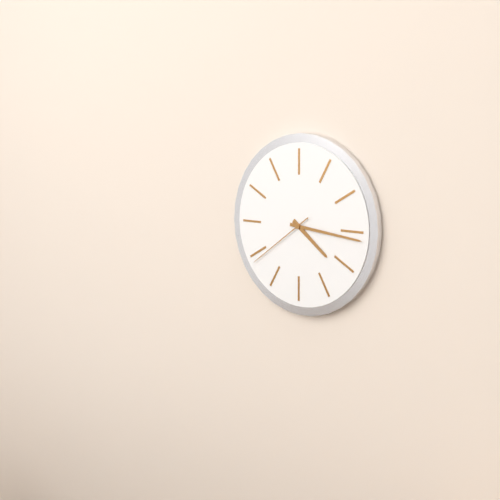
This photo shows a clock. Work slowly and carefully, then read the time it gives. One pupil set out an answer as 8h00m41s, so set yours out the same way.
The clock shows 4h16m39s
